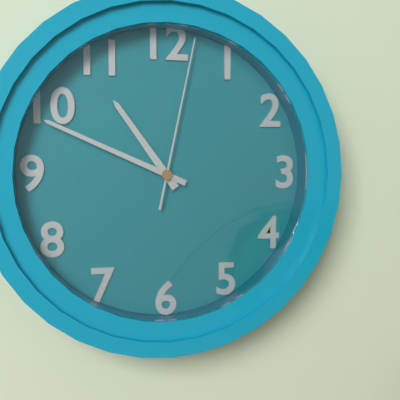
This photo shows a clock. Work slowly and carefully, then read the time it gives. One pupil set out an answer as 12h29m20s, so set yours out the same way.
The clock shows 10h49m02s
